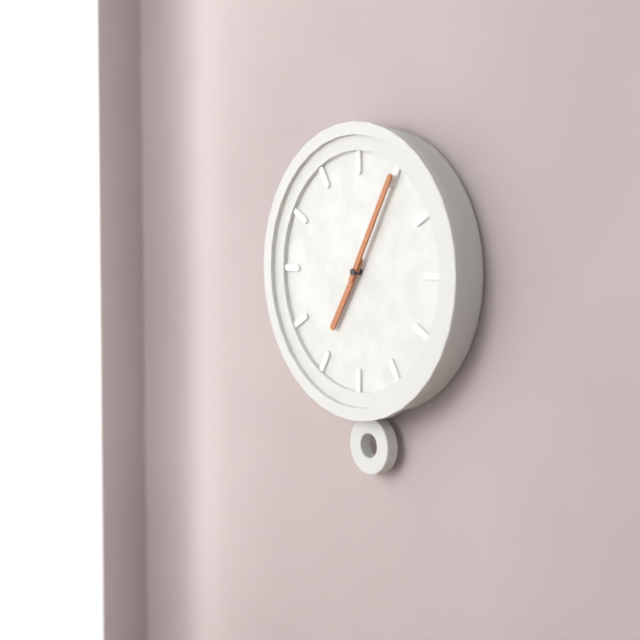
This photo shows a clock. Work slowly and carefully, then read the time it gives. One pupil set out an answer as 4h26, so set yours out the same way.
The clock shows 7h05
